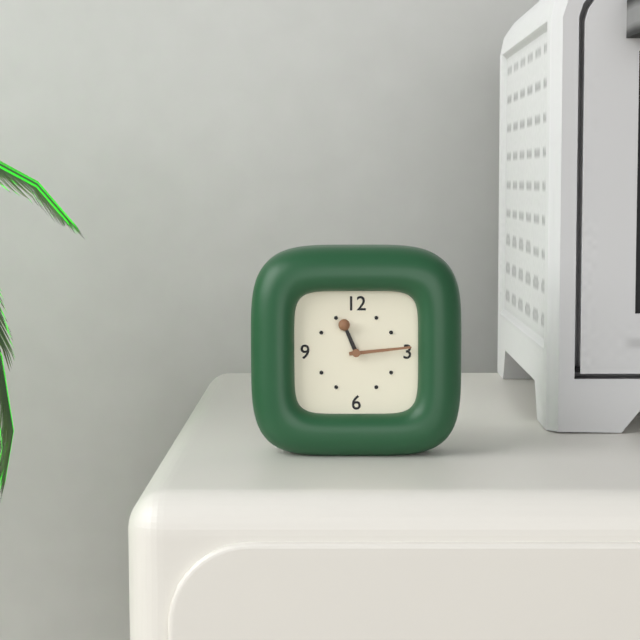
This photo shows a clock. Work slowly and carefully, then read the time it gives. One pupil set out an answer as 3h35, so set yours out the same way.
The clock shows 11h14
